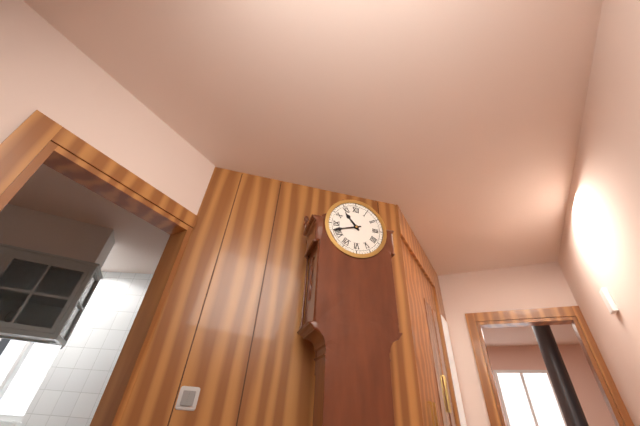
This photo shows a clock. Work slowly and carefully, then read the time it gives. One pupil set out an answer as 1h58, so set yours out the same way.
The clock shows 10h42
